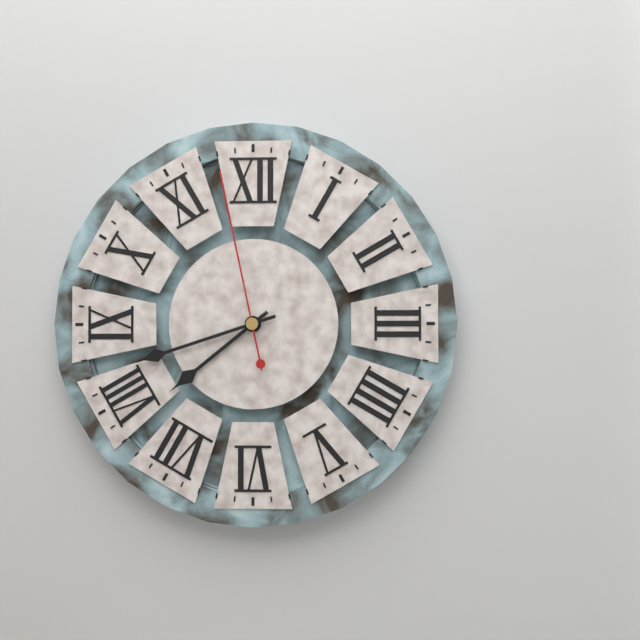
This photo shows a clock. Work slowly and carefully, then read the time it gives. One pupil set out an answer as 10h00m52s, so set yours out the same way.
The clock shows 7h42m58s
